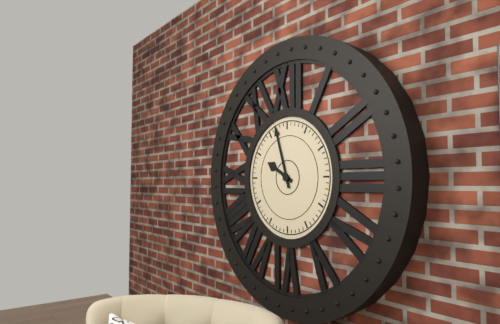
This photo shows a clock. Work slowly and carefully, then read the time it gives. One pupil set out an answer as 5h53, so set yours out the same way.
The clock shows 9h57
